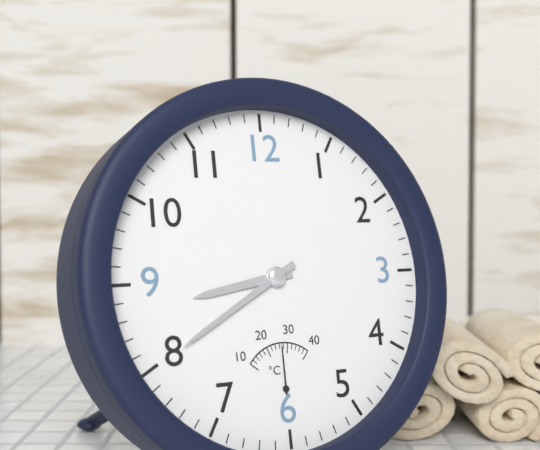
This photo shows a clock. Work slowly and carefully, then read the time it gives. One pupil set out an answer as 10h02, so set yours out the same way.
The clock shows 8h40
